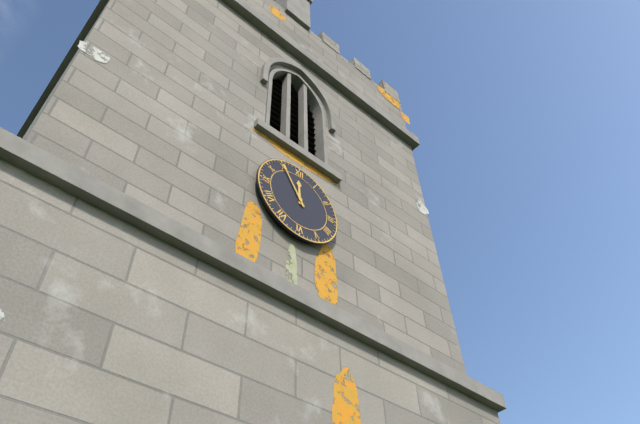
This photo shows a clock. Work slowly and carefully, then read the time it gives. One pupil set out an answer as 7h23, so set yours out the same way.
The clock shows 11h55
